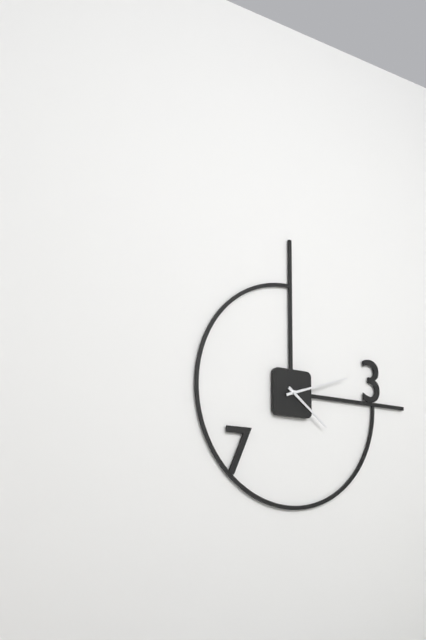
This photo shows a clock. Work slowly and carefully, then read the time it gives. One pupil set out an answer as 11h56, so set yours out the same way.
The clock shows 4h12
